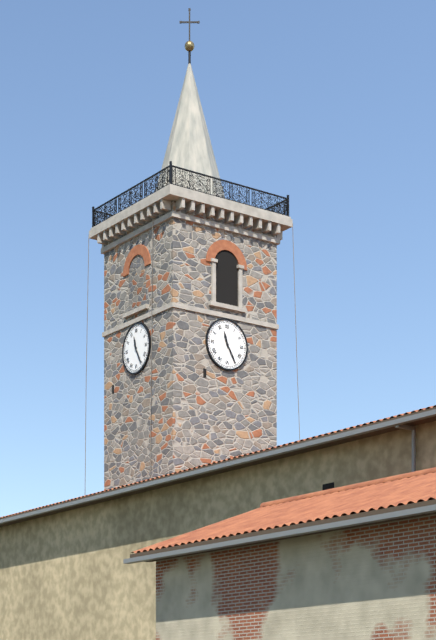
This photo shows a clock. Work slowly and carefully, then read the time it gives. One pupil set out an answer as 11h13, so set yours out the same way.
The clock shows 11h25
